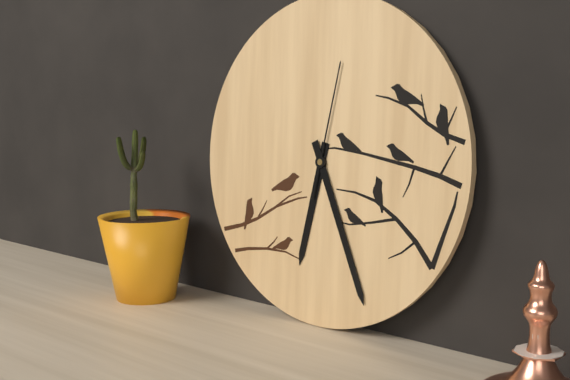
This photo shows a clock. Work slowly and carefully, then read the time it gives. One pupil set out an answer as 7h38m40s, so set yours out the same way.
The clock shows 6h26m02s
